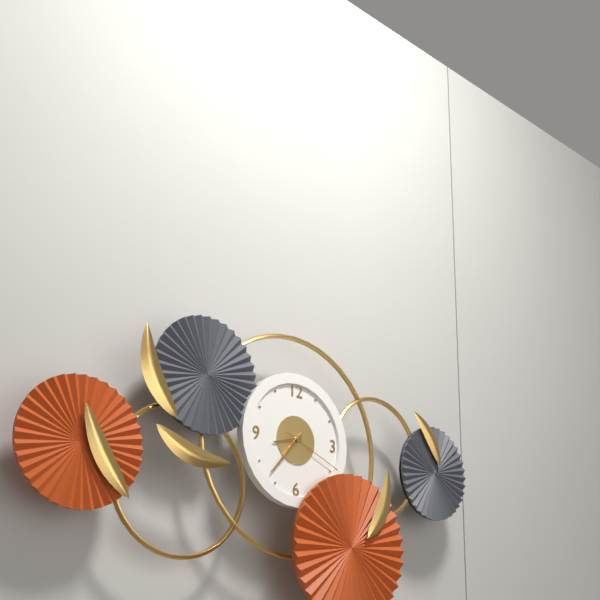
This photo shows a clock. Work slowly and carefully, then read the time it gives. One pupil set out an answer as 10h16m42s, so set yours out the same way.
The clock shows 8h37m19s
